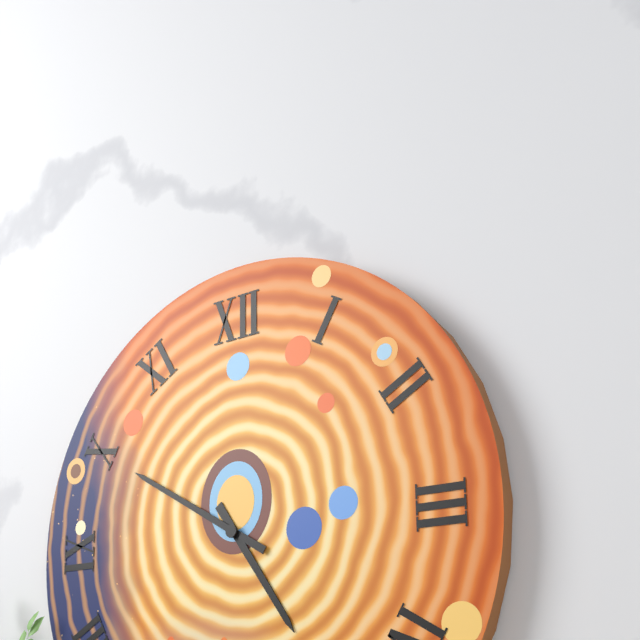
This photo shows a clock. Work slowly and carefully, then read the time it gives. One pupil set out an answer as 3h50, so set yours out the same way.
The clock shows 4h50
